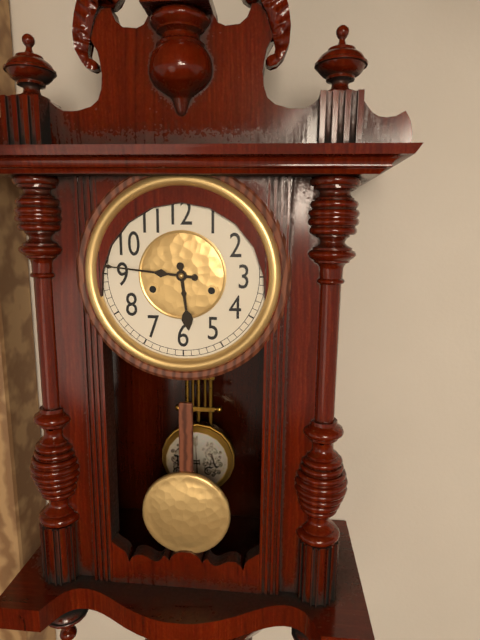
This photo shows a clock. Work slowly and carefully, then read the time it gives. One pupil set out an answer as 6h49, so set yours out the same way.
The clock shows 5h46
